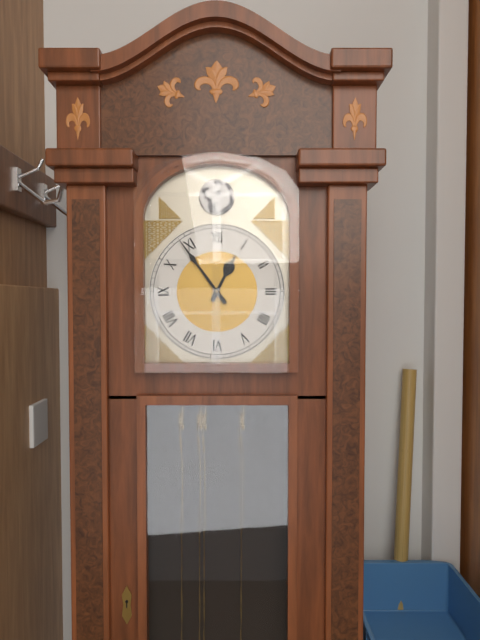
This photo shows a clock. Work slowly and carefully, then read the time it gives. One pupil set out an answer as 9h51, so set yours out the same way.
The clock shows 12h54
